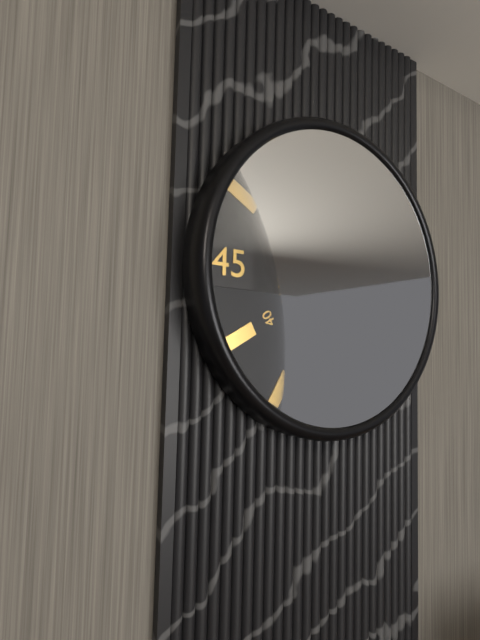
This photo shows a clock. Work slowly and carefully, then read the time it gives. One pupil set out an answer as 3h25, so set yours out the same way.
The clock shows 2h25
